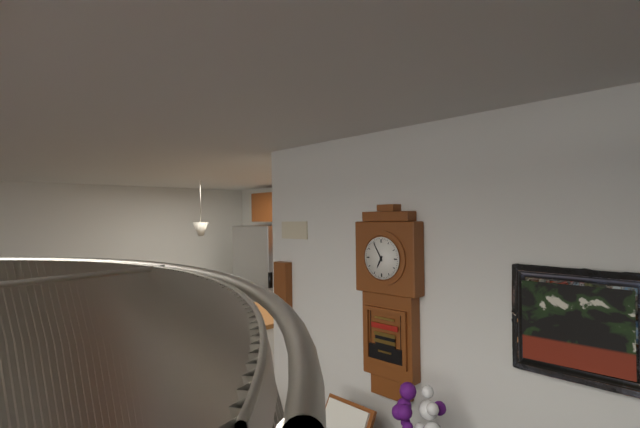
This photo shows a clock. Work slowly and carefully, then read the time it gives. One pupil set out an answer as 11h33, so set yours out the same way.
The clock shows 6h55
